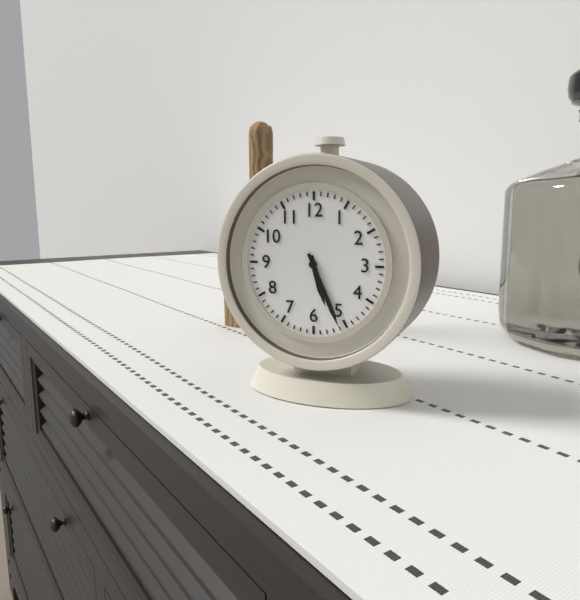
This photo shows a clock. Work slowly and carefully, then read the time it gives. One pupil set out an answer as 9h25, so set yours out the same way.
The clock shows 5h26
